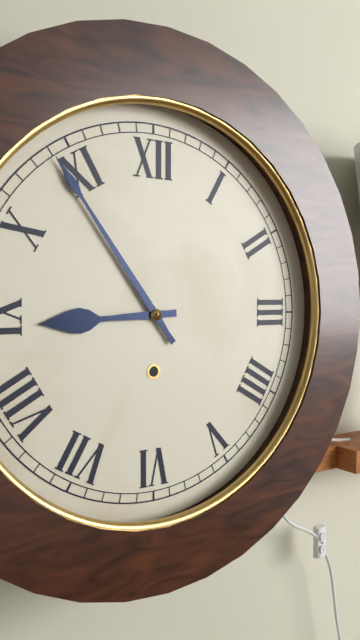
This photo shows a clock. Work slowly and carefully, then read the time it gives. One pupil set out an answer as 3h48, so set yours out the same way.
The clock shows 8h54
